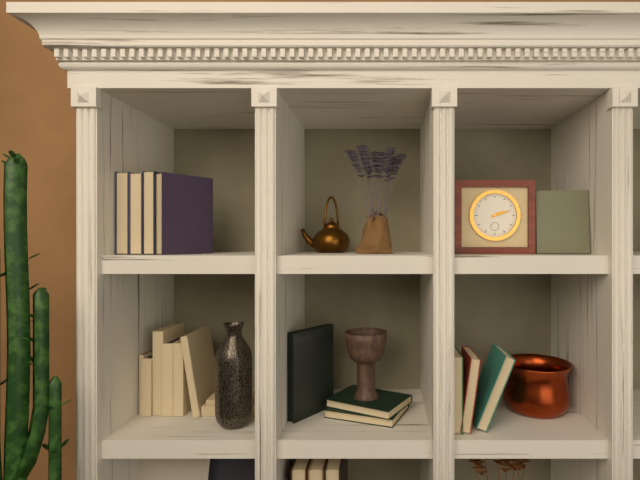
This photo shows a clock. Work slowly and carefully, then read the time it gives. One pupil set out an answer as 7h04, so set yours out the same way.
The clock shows 2h12
